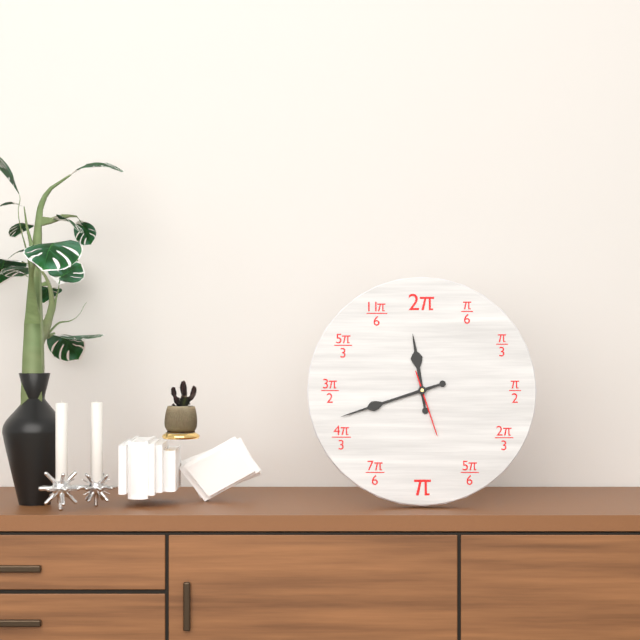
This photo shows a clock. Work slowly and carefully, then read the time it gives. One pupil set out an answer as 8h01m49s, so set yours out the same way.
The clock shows 11h42m27s
